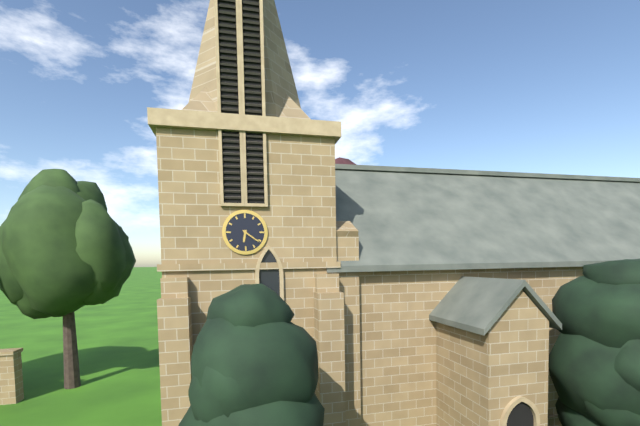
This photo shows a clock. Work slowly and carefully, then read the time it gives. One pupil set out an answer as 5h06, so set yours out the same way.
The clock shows 6h21
